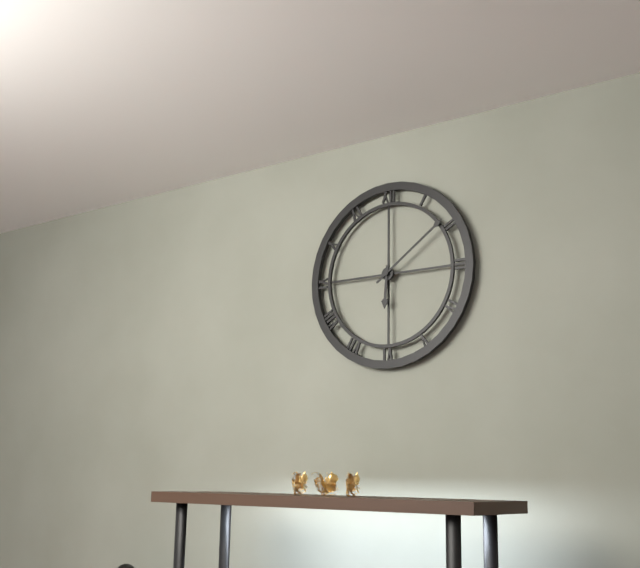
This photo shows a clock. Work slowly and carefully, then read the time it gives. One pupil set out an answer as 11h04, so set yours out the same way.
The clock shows 6h09
